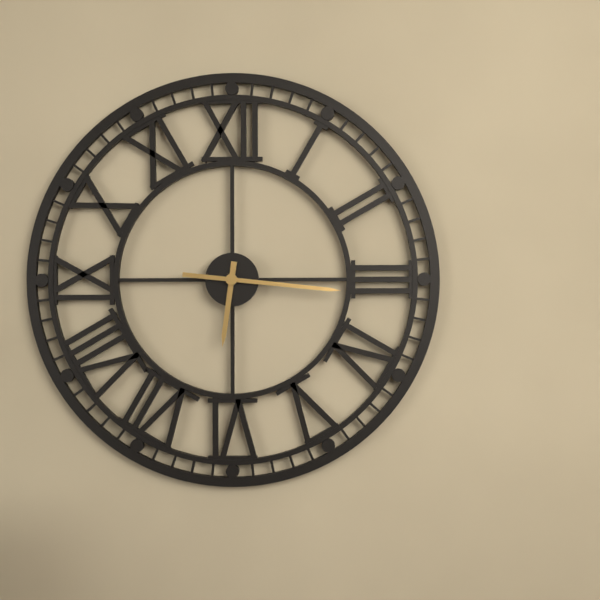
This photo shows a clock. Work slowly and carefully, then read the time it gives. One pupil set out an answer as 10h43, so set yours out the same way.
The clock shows 6h16
